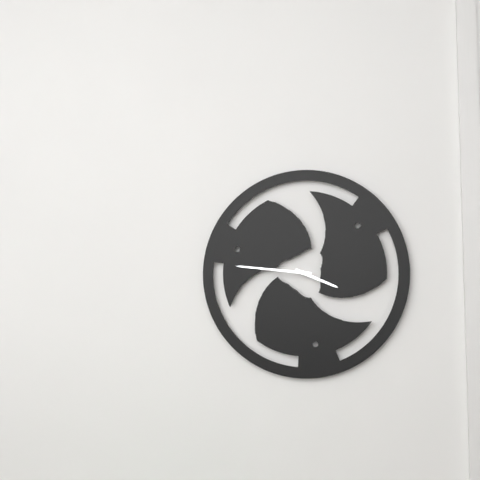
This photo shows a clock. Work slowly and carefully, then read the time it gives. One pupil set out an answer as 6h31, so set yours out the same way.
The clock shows 3h46
